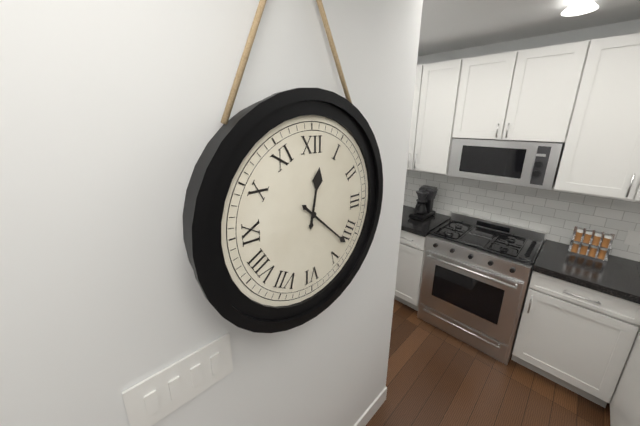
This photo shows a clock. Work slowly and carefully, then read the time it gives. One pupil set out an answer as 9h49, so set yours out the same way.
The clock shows 12h22
